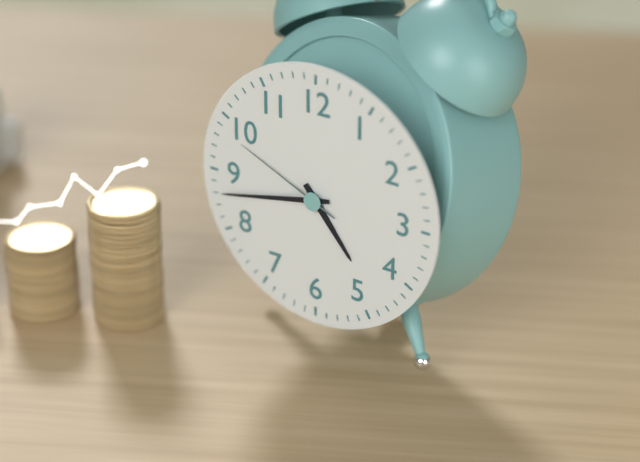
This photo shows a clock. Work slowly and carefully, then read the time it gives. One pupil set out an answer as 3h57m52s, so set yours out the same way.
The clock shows 4h43m49s
